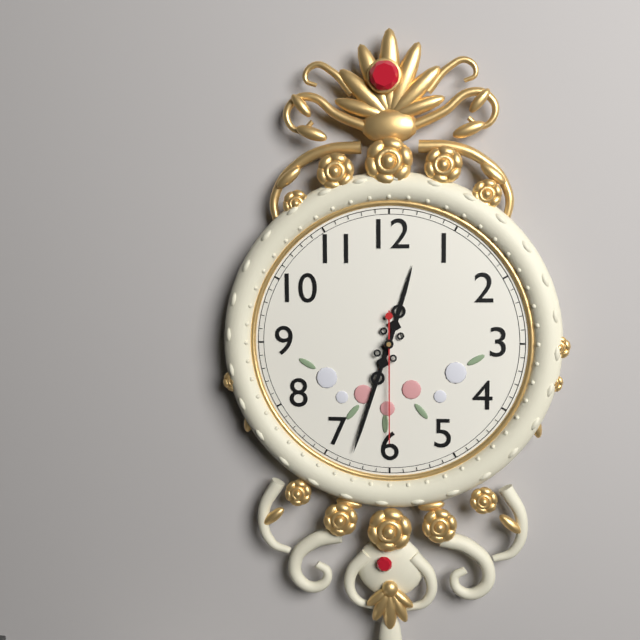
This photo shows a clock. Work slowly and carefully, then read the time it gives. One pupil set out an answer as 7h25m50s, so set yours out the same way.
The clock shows 12h33m30s
